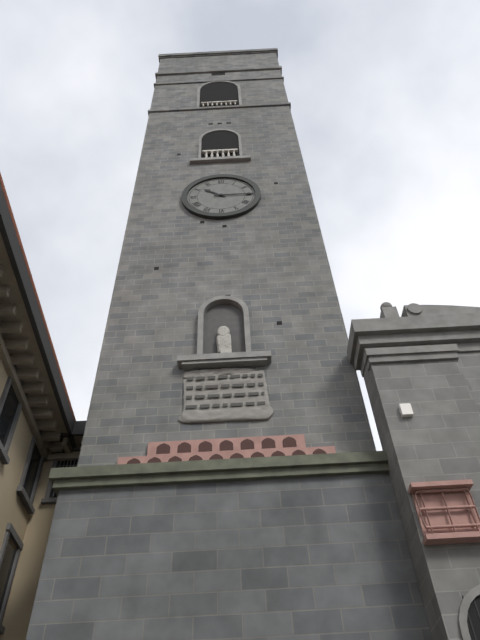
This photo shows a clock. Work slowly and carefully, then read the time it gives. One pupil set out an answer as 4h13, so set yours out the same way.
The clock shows 10h15
